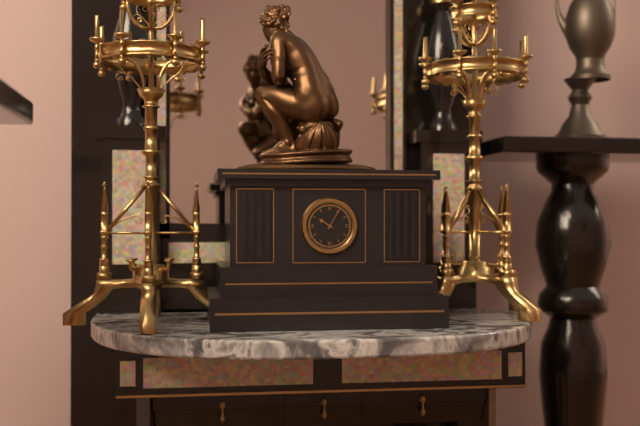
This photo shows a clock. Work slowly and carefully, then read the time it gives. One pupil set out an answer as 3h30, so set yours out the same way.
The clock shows 10h05
